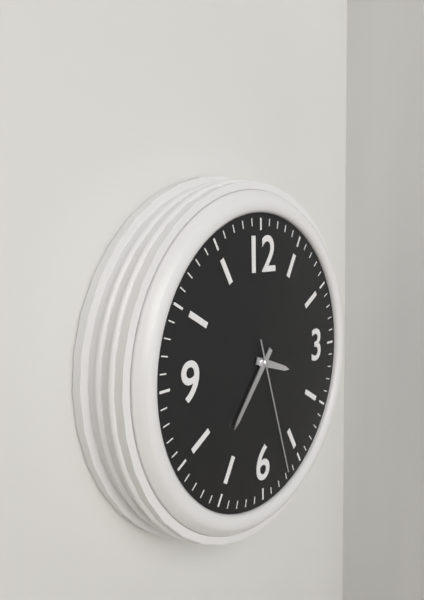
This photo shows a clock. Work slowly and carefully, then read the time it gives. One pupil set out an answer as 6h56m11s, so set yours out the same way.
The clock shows 3h37m27s
